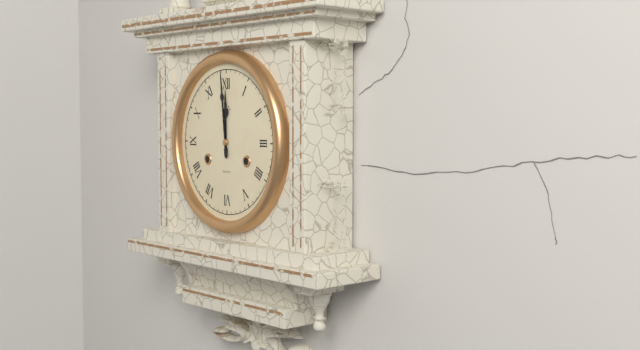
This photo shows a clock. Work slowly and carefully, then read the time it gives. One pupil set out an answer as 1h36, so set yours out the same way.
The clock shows 11h59
